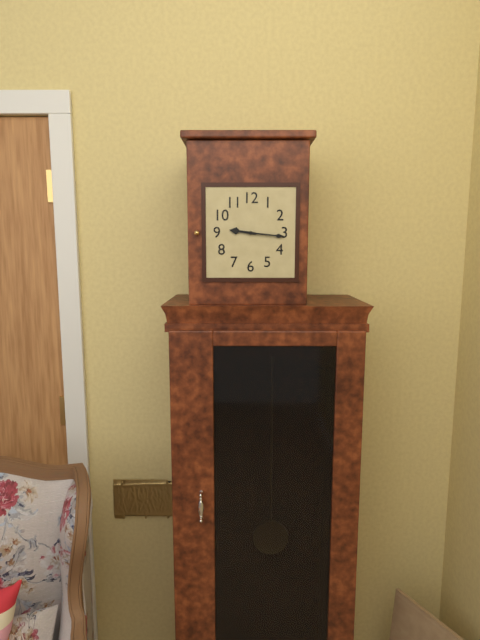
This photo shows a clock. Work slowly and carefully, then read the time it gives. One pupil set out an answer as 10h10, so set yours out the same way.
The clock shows 9h16
